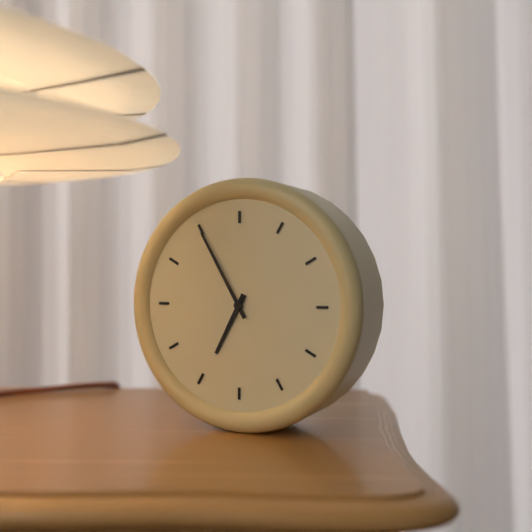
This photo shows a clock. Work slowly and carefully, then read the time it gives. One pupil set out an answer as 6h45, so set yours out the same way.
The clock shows 6h55
